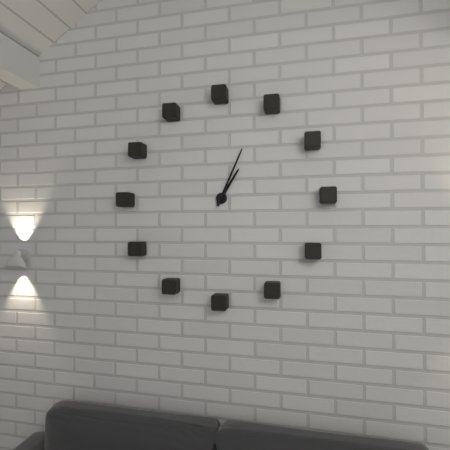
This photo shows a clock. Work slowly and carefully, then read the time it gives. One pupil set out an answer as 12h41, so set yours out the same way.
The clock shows 1h04
